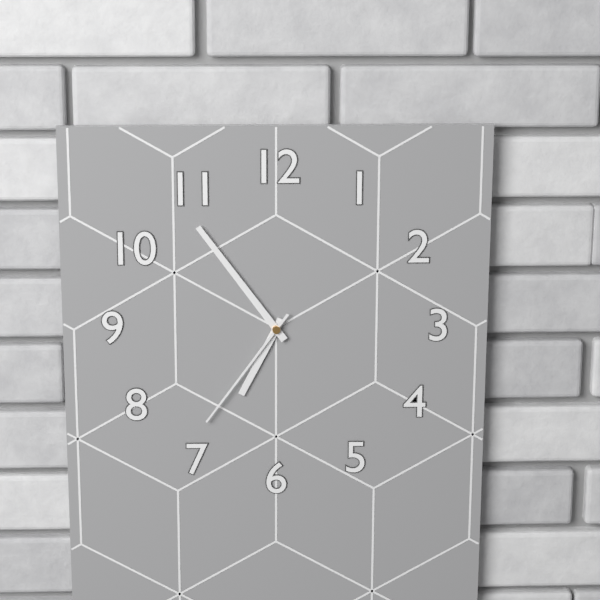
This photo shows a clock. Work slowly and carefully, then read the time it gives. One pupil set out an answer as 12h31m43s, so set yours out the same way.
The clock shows 6h54m36s
